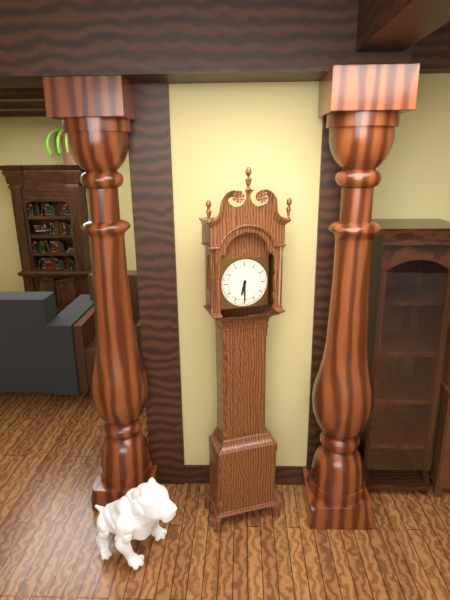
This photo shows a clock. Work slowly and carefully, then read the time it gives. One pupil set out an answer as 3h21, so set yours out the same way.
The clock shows 6h30
